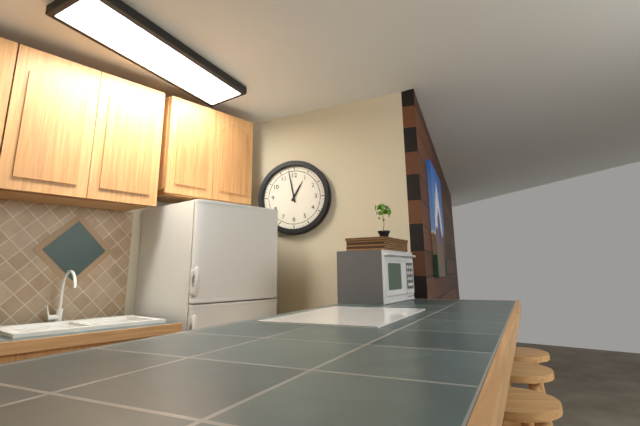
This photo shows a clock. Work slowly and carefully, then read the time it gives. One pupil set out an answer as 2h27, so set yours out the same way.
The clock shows 12h58
